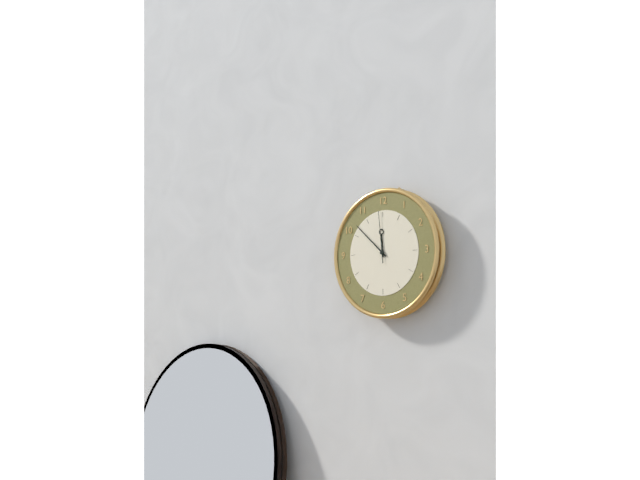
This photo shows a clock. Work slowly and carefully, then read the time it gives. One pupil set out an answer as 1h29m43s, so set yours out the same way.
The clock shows 11h52m59s
